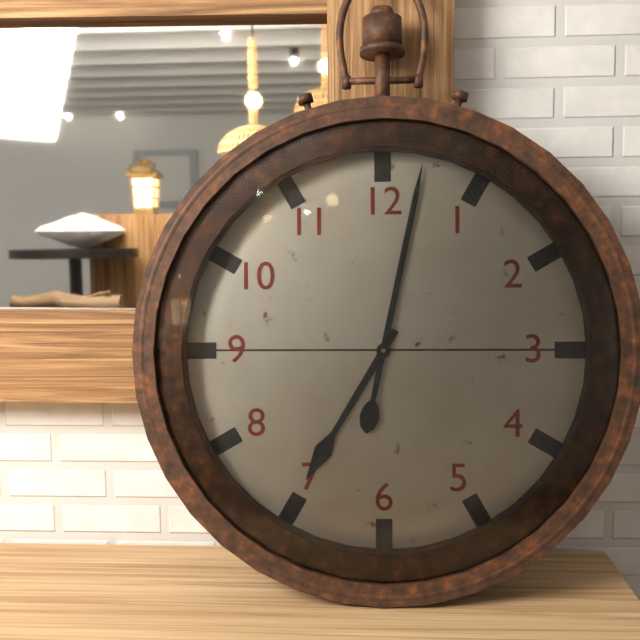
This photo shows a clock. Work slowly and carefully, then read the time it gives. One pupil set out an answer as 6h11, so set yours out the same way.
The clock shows 7h02
